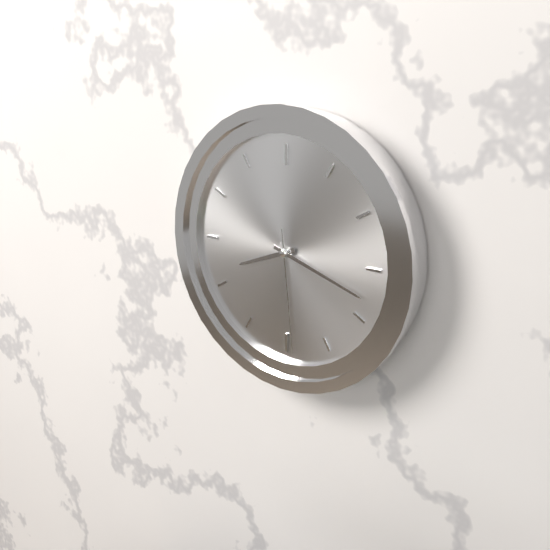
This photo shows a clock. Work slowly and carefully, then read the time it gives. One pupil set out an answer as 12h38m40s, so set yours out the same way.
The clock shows 8h18m29s
